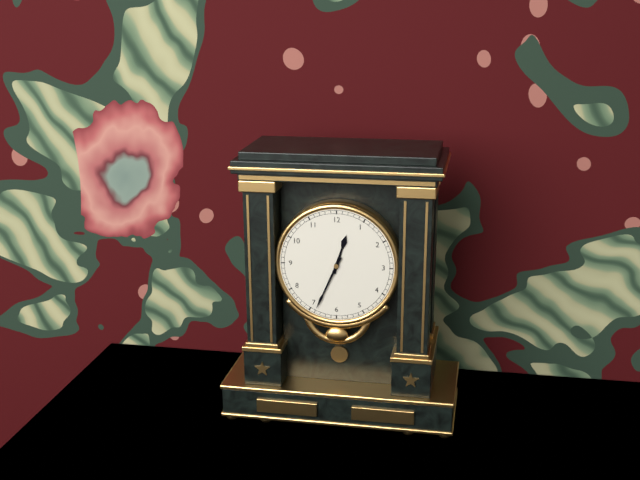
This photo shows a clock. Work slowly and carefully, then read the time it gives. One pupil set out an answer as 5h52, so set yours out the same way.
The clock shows 12h34
